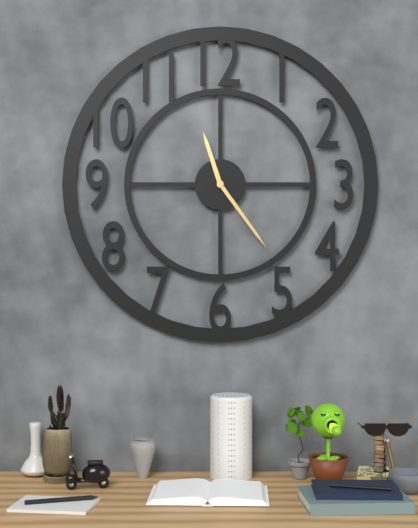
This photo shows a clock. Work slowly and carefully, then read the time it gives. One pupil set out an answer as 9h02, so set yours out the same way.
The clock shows 11h24
